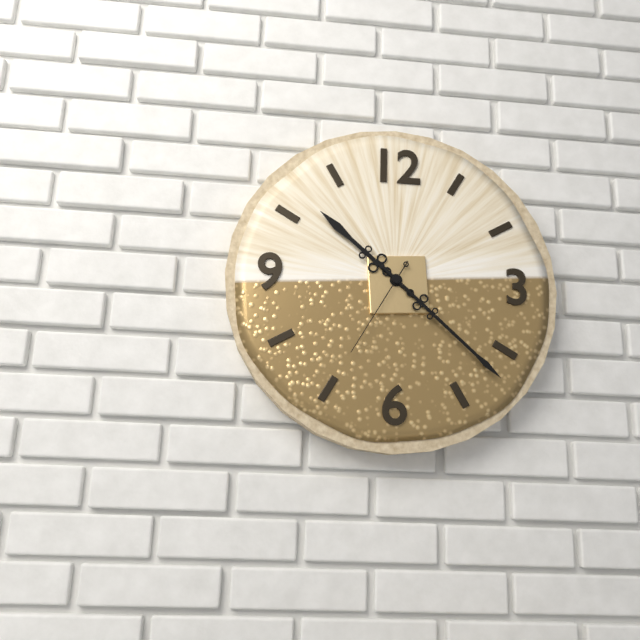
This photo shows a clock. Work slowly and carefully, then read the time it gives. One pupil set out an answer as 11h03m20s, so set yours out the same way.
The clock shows 10h22m35s
